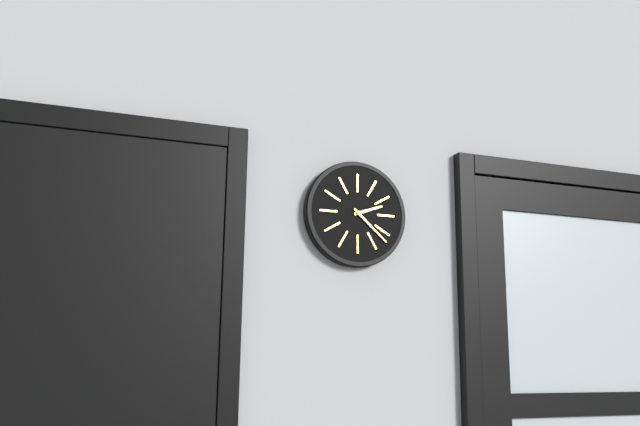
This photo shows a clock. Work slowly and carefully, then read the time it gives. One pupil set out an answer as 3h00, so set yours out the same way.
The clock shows 2h22
